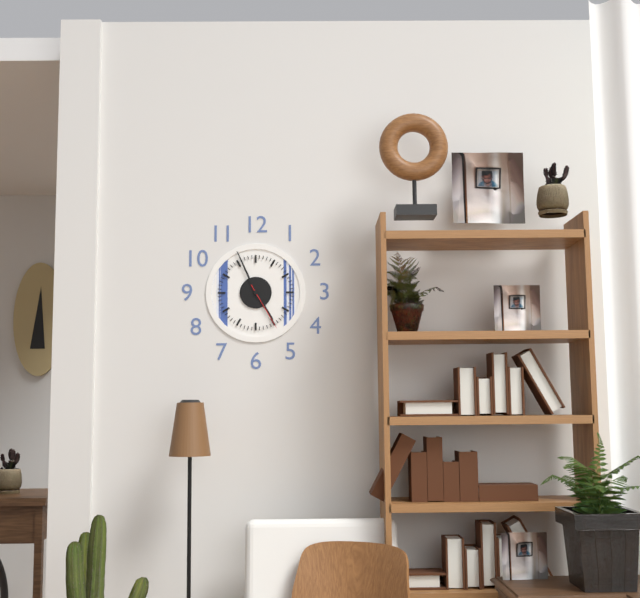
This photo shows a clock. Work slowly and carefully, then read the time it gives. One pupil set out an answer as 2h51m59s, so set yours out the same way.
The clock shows 4h56m25s
